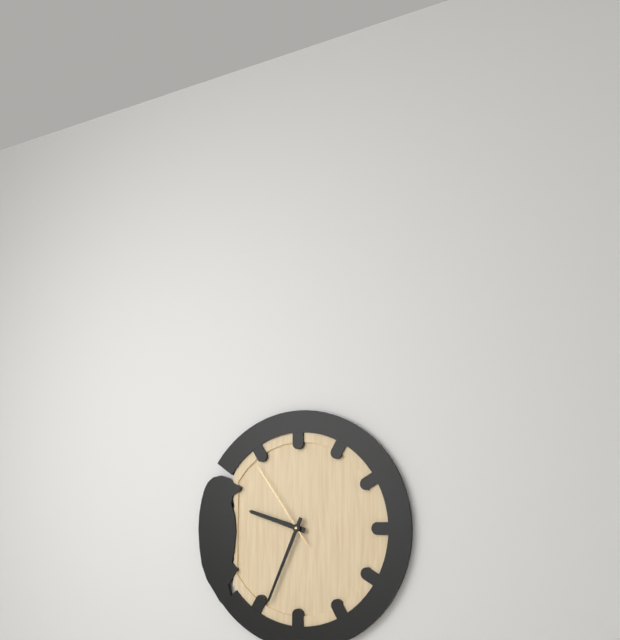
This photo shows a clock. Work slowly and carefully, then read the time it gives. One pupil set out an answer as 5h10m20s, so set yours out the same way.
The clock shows 9h34m54s
